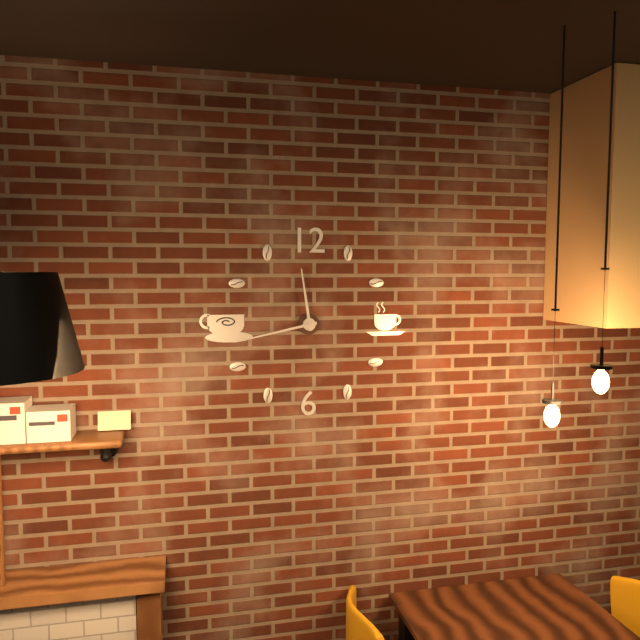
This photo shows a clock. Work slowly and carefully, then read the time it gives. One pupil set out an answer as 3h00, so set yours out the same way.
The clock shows 11h43
